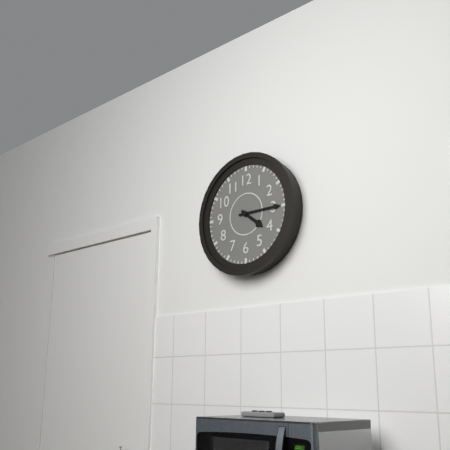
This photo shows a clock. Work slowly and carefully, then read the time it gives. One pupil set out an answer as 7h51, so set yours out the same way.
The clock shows 4h15
